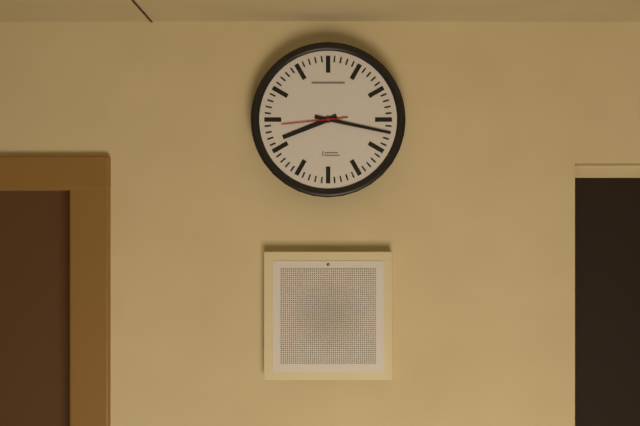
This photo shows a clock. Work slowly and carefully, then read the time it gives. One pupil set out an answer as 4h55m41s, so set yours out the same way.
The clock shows 8h17m44s
